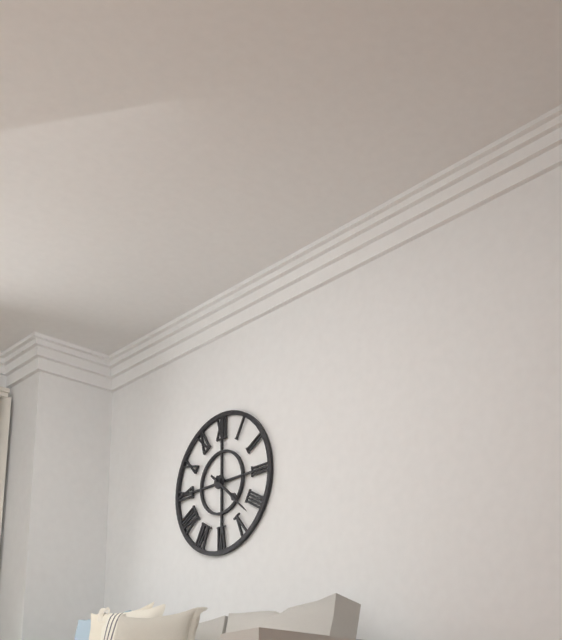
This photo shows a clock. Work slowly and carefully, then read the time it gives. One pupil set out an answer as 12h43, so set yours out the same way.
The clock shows 4h22
